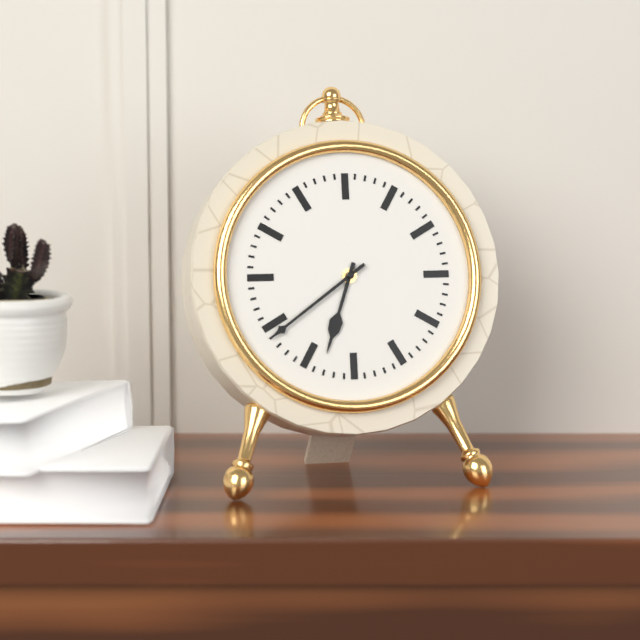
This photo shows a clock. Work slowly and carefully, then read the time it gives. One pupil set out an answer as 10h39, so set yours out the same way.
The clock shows 6h39
